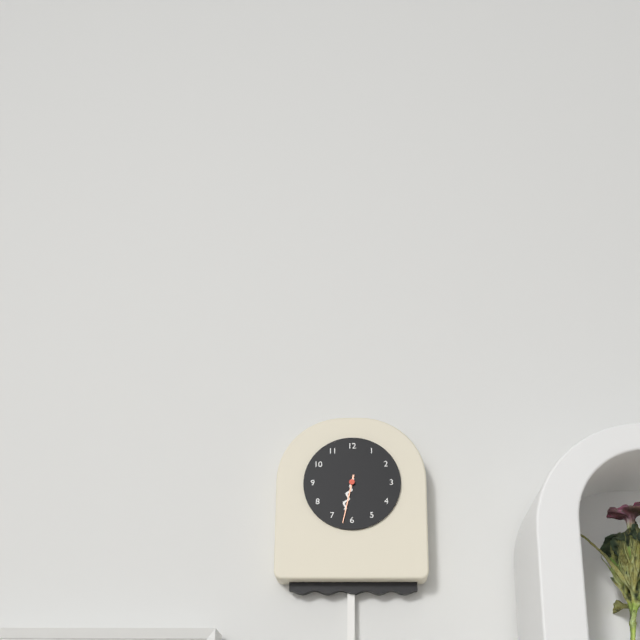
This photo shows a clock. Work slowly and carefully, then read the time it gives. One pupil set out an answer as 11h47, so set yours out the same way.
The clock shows 6h32
